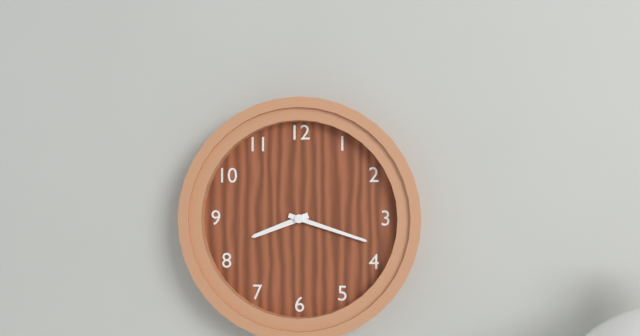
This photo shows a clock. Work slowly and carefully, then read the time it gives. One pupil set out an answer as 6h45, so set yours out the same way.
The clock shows 8h18
